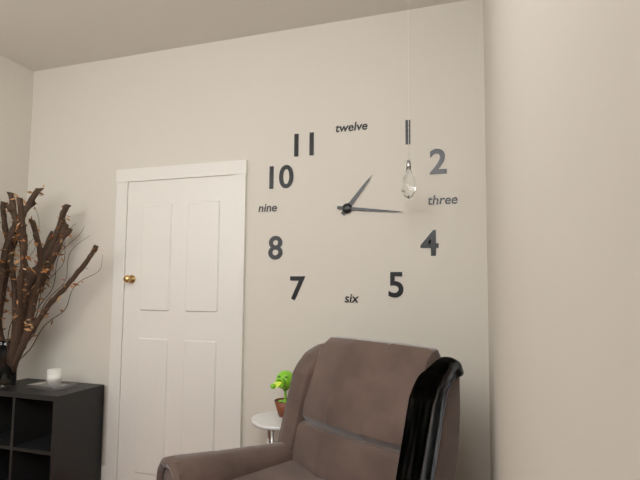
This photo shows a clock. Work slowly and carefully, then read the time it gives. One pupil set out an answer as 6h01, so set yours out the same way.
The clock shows 1h16
